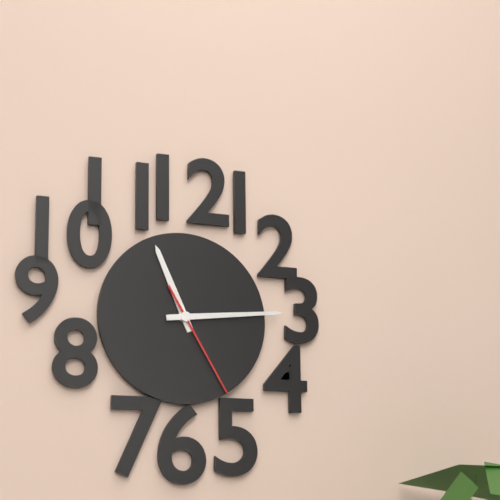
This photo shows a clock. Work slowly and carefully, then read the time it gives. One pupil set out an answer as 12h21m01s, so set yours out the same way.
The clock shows 11h14m25s
